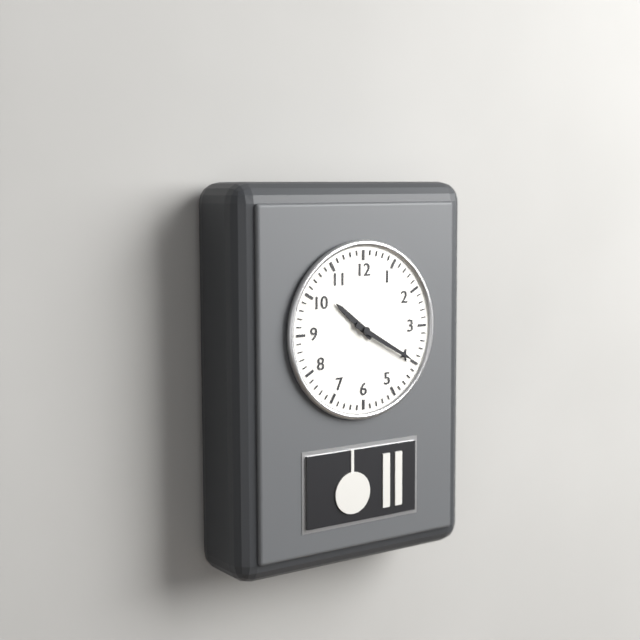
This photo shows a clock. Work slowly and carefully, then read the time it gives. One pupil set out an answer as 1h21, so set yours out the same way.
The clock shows 10h20
